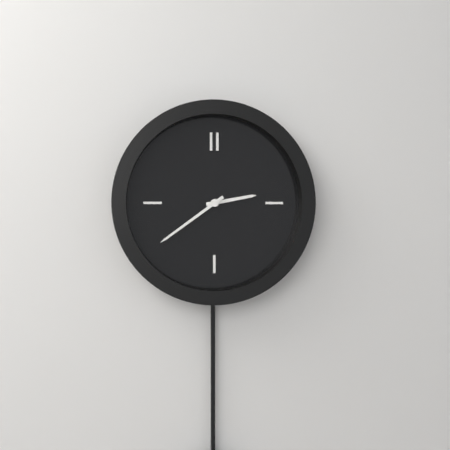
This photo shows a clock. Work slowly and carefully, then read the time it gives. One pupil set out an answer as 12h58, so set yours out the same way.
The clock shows 2h39
